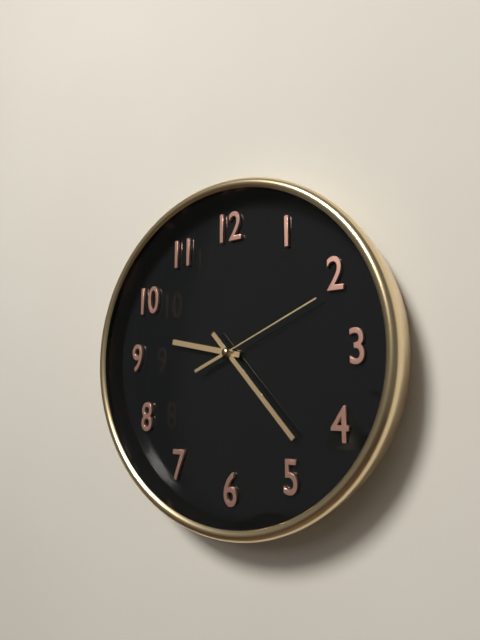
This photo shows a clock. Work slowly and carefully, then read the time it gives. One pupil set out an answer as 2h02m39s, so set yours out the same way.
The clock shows 9h23m11s
